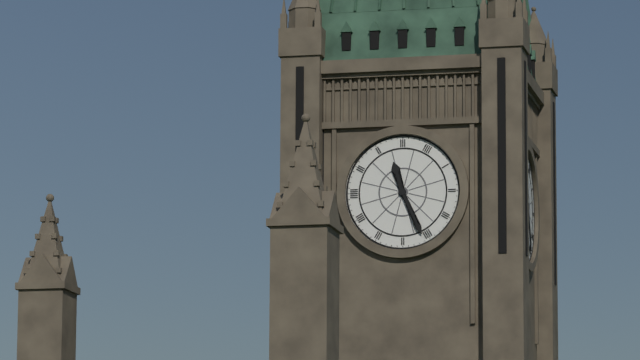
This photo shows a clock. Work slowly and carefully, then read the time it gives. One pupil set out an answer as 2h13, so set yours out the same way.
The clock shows 11h26
